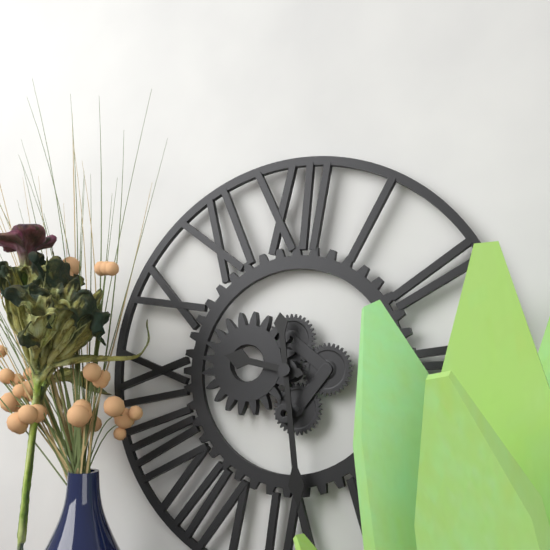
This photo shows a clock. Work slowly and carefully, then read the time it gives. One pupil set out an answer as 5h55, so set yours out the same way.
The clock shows 9h29
